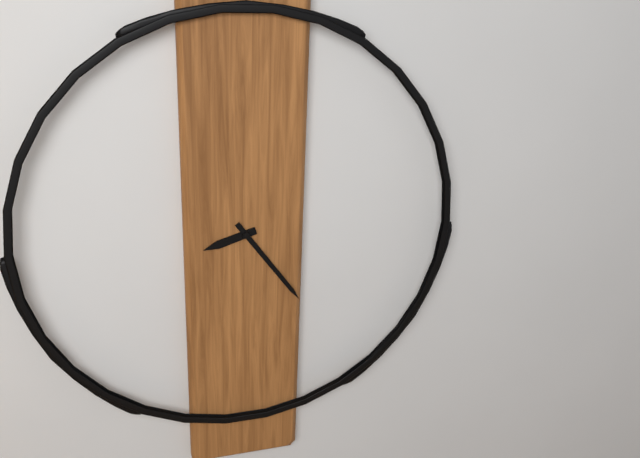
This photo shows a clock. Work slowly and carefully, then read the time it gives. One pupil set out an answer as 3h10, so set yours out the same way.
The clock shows 8h24
